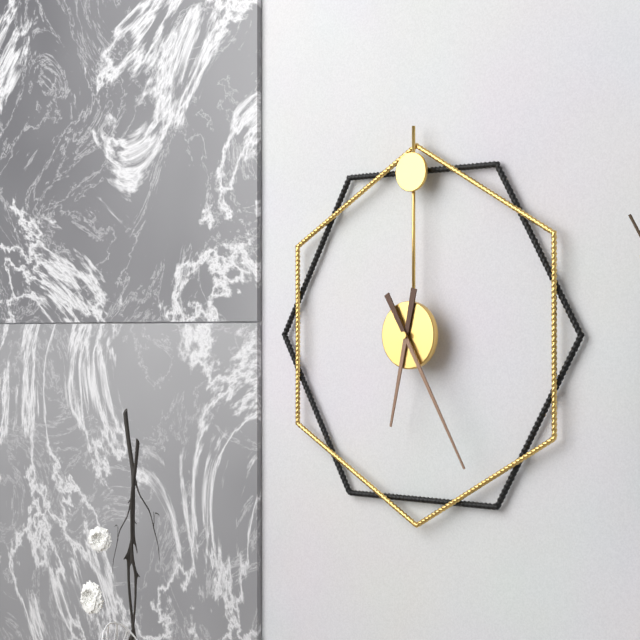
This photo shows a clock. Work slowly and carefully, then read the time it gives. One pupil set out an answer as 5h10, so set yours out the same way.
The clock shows 6h25
